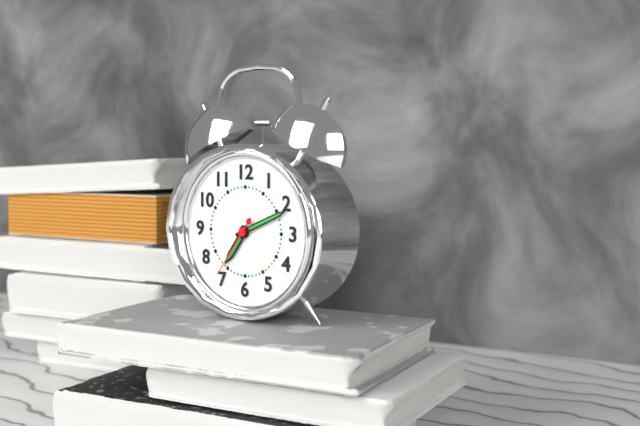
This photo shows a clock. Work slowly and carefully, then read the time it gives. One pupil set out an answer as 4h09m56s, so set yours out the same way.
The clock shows 7h11m36s
